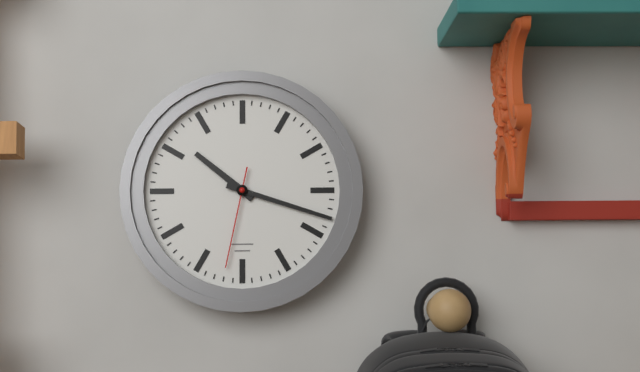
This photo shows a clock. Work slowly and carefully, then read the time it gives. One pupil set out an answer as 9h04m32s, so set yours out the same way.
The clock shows 10h18m32s
